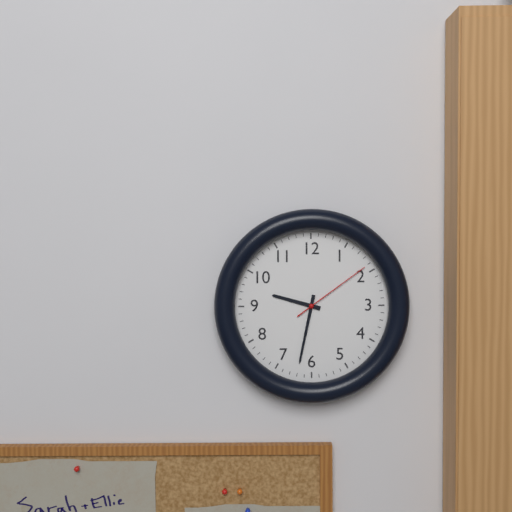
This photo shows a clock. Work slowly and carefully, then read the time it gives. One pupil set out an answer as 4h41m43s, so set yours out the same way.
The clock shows 9h32m09s
